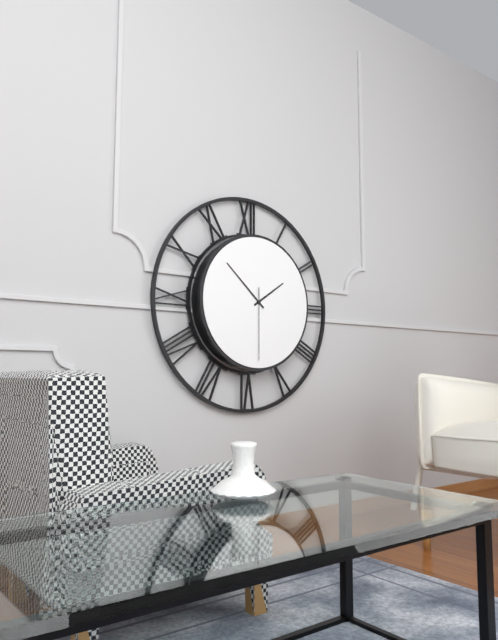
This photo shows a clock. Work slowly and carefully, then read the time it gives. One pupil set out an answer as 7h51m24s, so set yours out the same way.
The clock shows 1h52m30s
